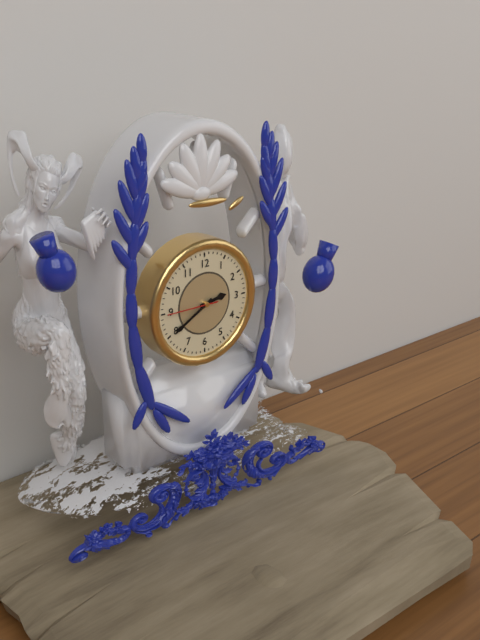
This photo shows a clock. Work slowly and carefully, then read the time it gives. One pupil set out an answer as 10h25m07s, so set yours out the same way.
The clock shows 2h40m45s
